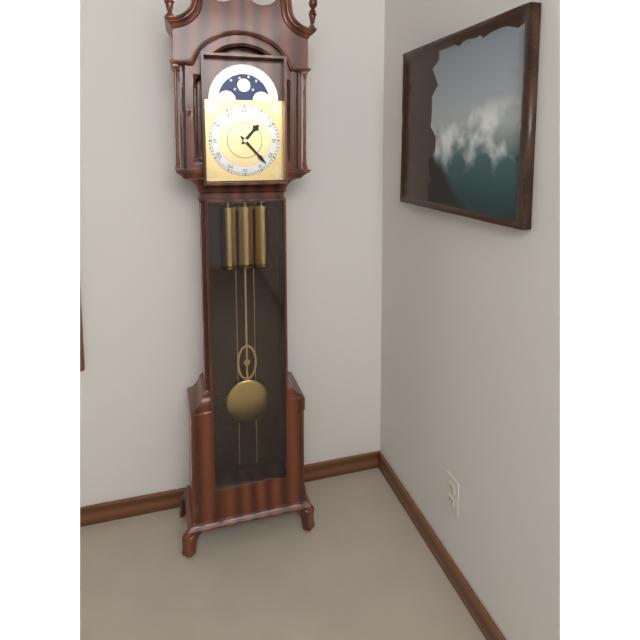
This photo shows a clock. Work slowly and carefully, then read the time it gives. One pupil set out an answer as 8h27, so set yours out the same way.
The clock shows 1h23
